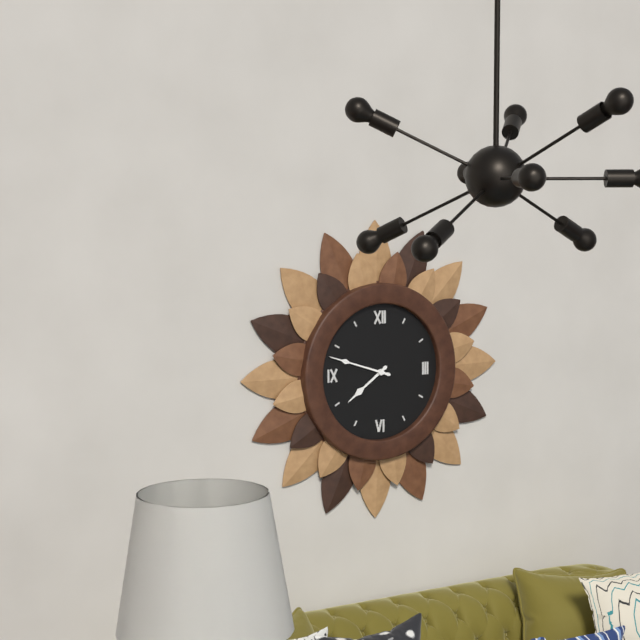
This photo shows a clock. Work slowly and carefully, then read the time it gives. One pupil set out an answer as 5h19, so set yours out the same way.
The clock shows 7h48
